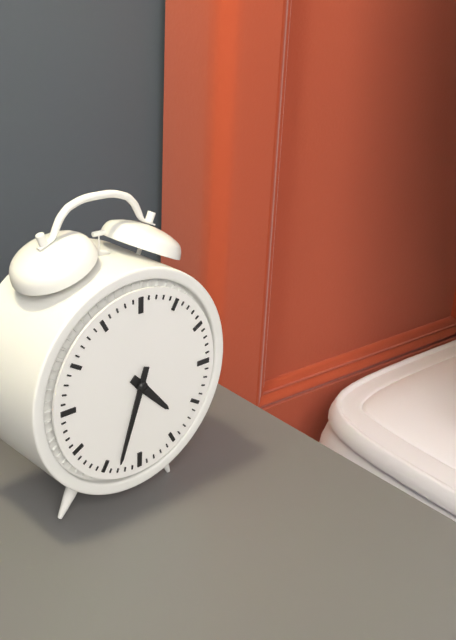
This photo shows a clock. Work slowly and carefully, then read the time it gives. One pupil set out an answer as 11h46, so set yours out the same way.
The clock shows 4h33
